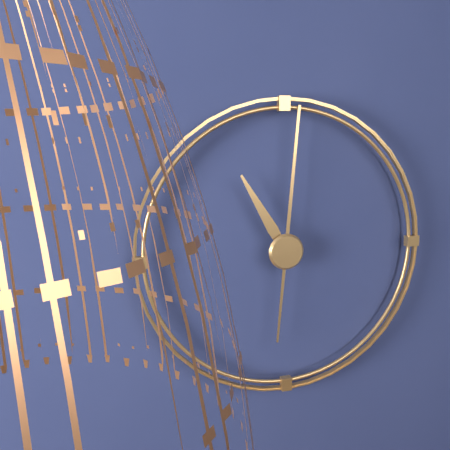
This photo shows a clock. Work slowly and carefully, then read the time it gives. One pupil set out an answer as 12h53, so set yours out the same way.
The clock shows 11h01
